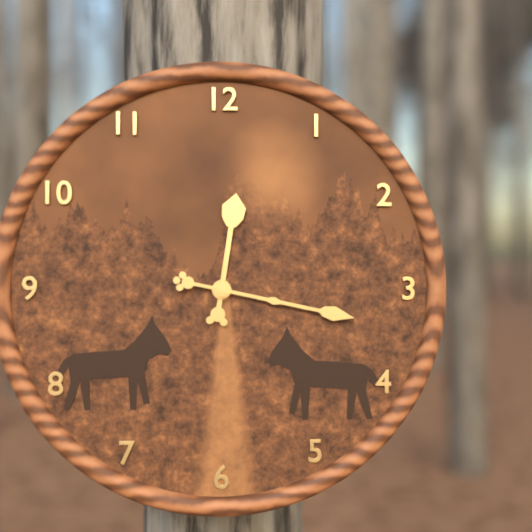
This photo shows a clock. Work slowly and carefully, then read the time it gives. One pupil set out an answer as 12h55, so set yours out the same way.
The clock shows 12h17
